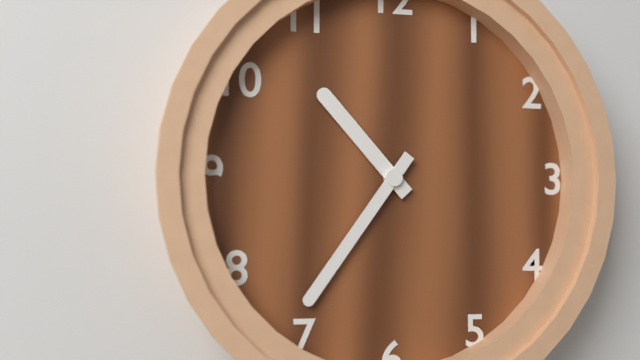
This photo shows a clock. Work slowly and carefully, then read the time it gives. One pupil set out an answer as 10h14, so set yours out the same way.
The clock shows 10h36
